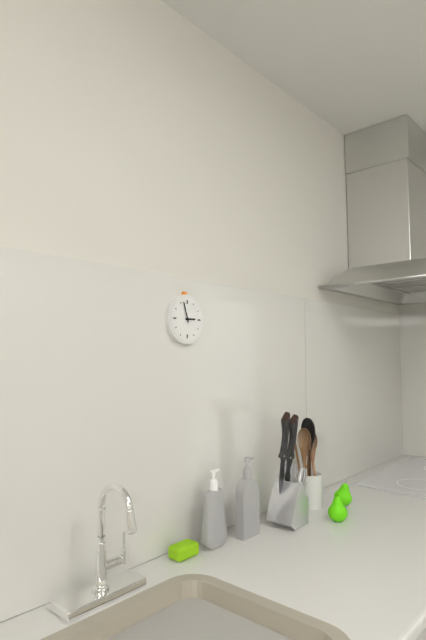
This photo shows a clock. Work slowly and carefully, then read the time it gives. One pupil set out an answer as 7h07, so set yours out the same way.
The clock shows 2h57
